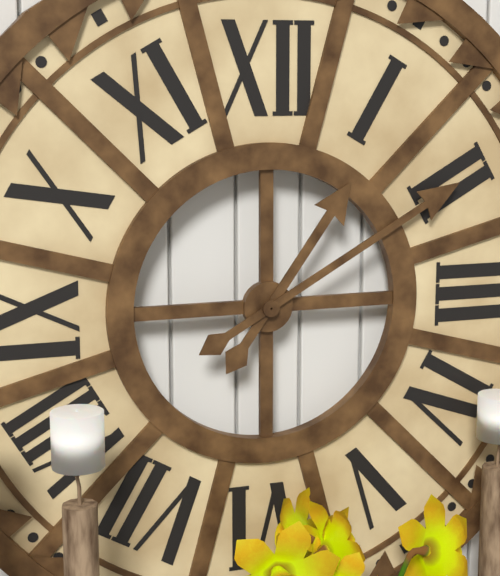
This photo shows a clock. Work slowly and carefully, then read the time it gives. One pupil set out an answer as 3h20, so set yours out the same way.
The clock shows 1h10
